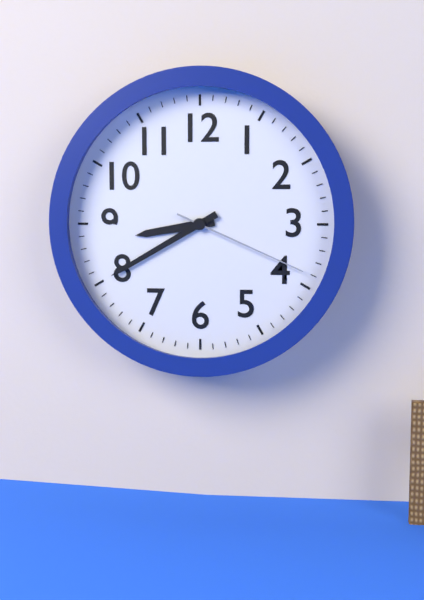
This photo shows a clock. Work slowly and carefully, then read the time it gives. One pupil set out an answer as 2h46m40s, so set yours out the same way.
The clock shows 8h40m19s
